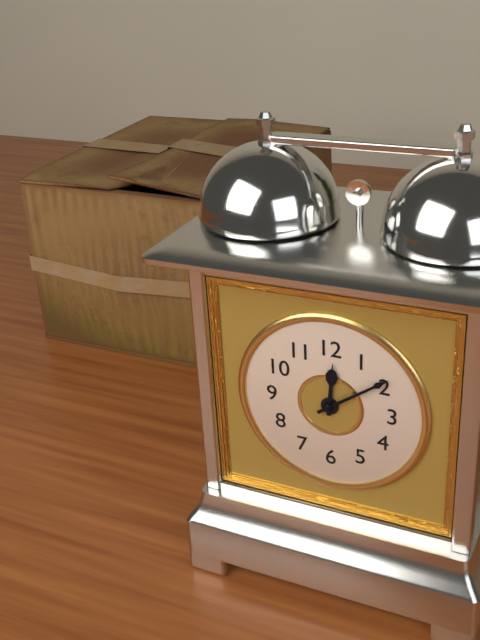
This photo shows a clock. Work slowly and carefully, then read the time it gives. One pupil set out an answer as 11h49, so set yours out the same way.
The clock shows 12h09
